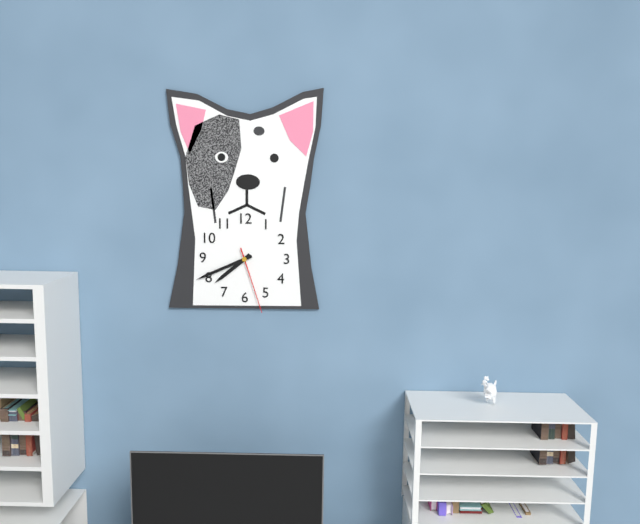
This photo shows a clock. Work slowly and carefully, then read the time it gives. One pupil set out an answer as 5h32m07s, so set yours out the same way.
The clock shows 7h41m27s
